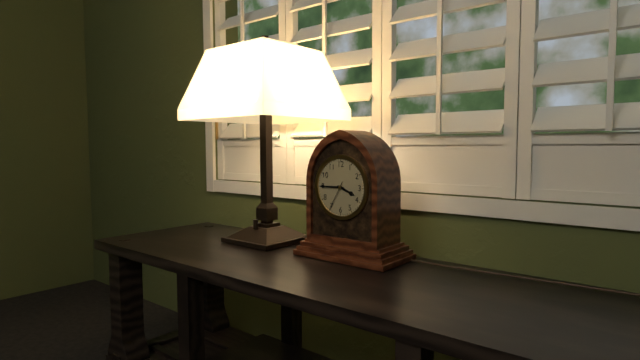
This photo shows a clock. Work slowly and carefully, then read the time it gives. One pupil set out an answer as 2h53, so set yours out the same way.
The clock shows 3h45
